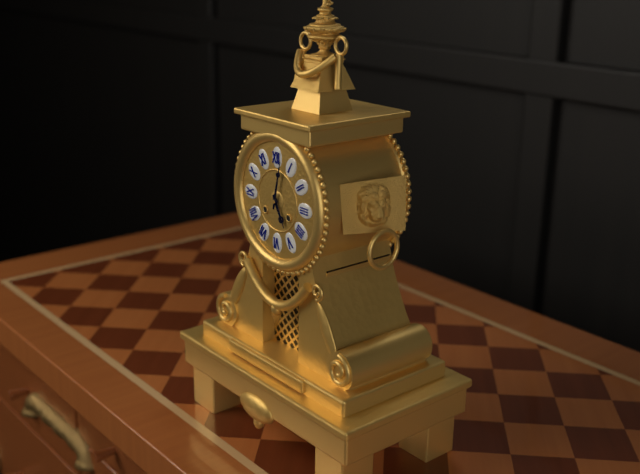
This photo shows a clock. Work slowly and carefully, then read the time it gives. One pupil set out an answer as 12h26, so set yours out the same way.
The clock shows 5h02
